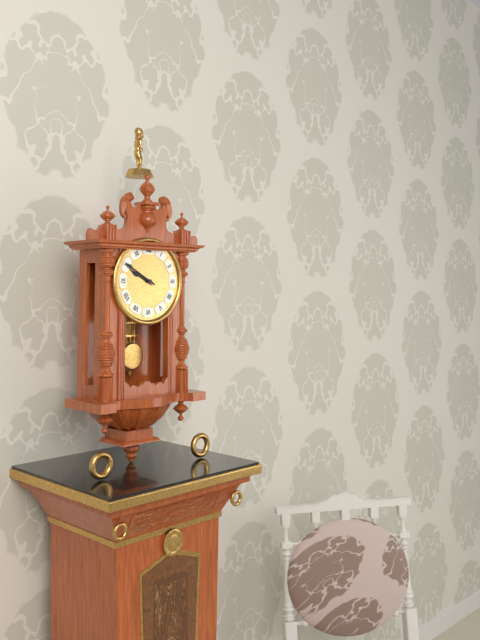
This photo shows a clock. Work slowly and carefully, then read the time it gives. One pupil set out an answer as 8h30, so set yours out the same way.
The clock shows 9h50
